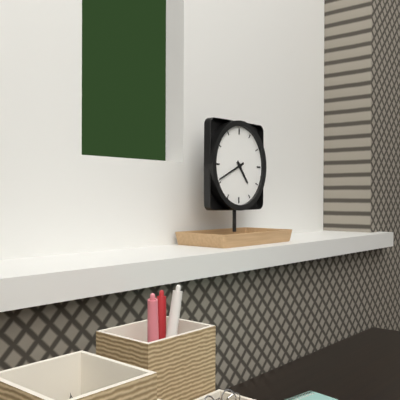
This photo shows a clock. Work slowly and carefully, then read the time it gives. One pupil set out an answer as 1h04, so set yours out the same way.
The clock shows 4h41
